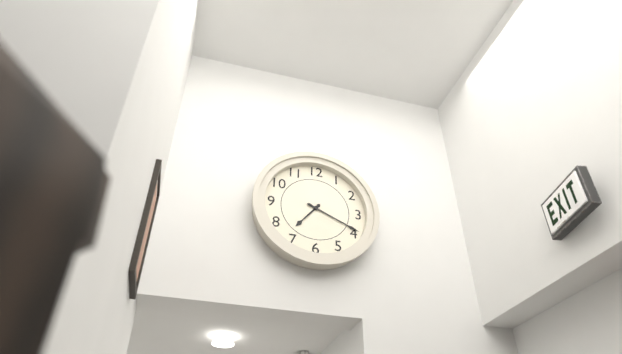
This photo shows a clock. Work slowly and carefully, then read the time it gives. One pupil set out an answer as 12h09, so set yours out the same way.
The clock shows 7h19
